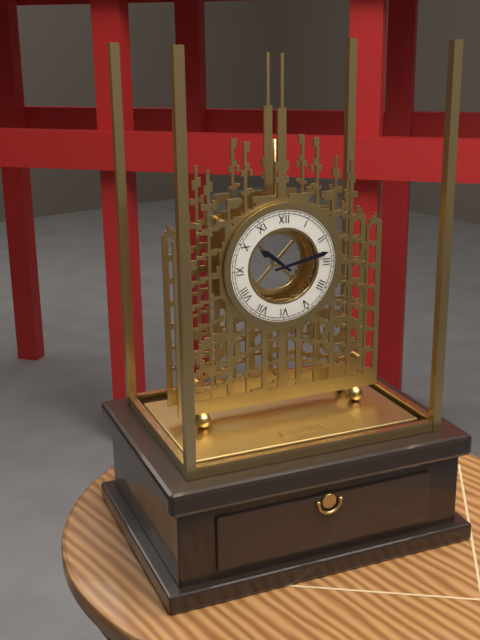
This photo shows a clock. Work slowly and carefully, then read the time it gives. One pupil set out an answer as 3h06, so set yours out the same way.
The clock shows 10h13
